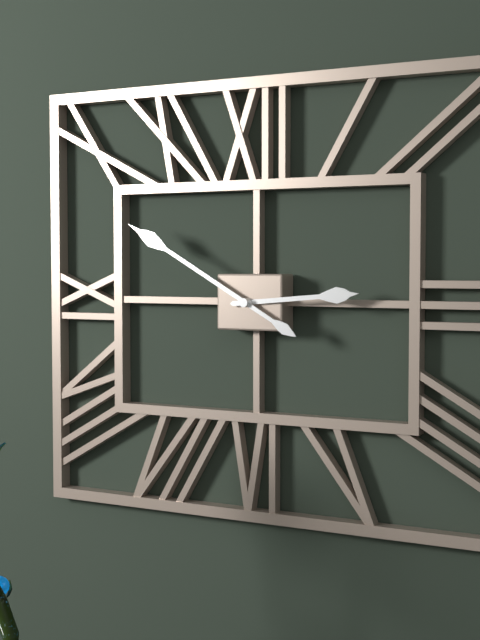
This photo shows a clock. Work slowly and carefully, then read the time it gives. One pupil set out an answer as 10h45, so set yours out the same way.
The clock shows 2h50
